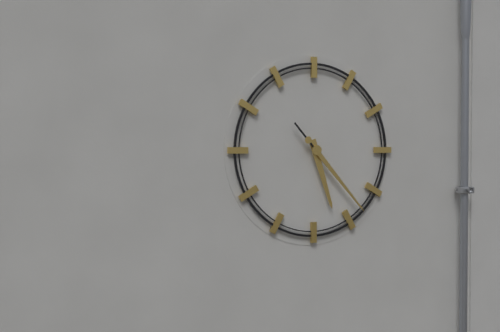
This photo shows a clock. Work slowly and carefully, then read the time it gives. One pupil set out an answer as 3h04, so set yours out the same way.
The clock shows 5h23
